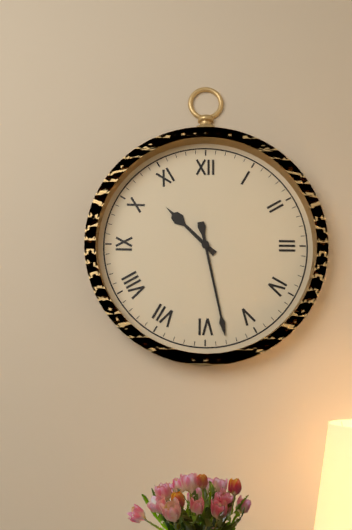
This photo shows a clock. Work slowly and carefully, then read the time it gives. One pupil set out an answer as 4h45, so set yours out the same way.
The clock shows 10h28
